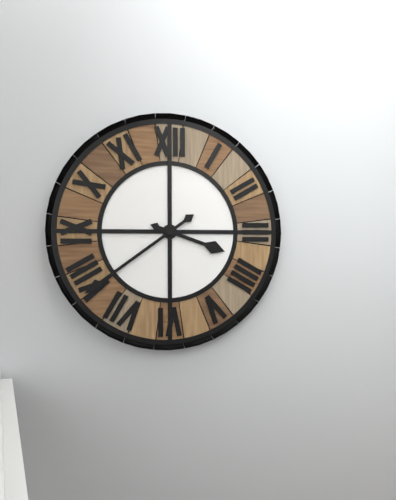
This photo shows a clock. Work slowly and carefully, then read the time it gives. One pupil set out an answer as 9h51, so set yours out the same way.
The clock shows 3h39
